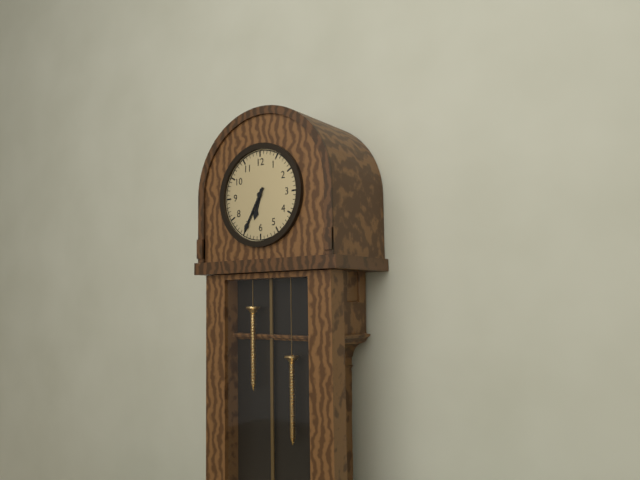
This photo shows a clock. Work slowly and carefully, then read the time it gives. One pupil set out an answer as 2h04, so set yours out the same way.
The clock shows 6h35
